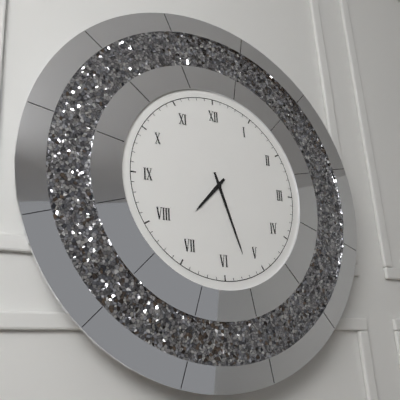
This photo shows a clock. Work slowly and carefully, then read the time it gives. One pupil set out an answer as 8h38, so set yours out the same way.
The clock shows 7h27
